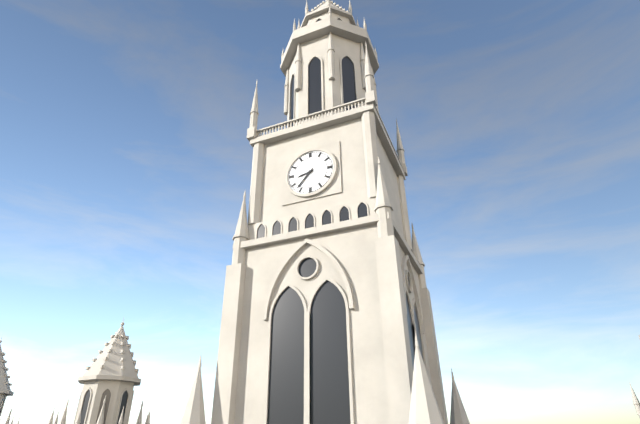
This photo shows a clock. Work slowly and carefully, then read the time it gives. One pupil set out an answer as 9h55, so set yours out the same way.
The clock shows 8h37
